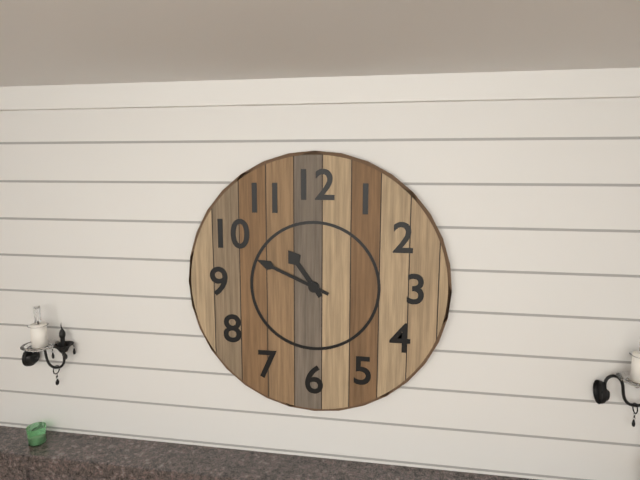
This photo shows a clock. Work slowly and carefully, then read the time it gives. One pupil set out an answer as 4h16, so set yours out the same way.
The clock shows 10h49
